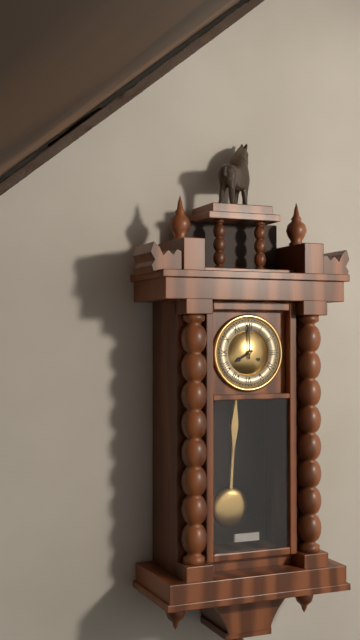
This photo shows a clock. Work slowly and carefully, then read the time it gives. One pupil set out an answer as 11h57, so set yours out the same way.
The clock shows 8h00
